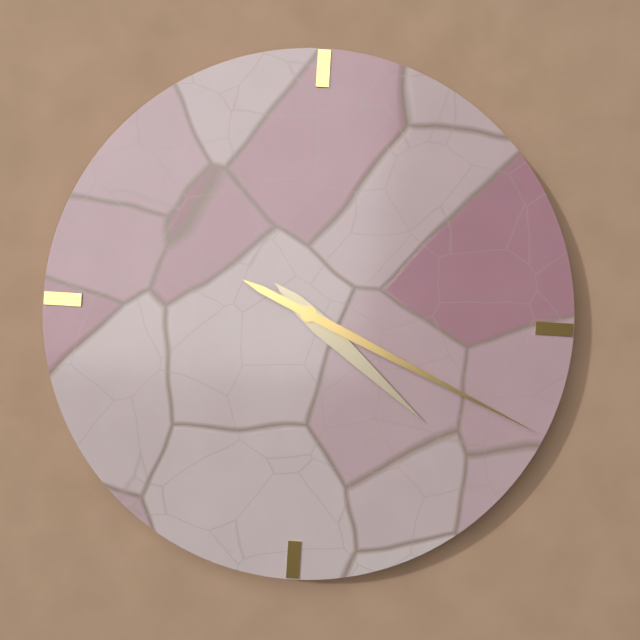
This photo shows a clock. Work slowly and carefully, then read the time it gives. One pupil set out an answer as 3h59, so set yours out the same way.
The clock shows 4h19
